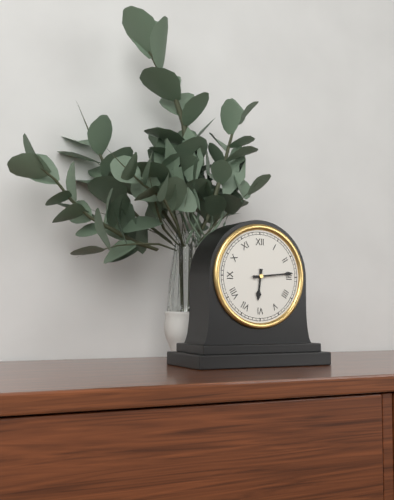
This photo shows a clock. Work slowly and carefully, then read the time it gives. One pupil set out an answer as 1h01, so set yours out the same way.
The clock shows 6h14
